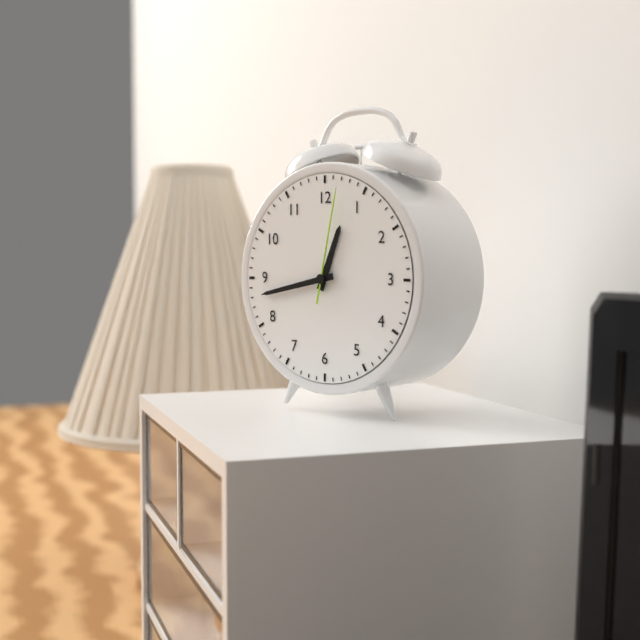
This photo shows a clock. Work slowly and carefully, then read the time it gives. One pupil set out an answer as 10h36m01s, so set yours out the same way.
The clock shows 12h43m02s
